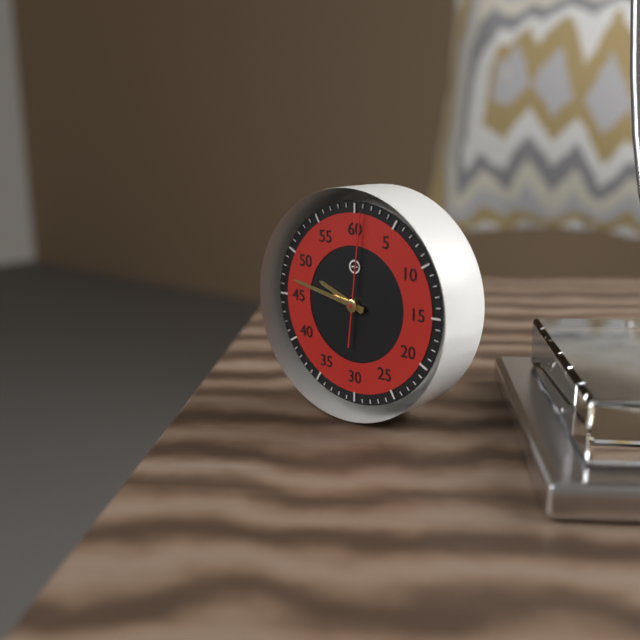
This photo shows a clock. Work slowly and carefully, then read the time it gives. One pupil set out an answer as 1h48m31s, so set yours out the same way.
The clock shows 9h47m01s
